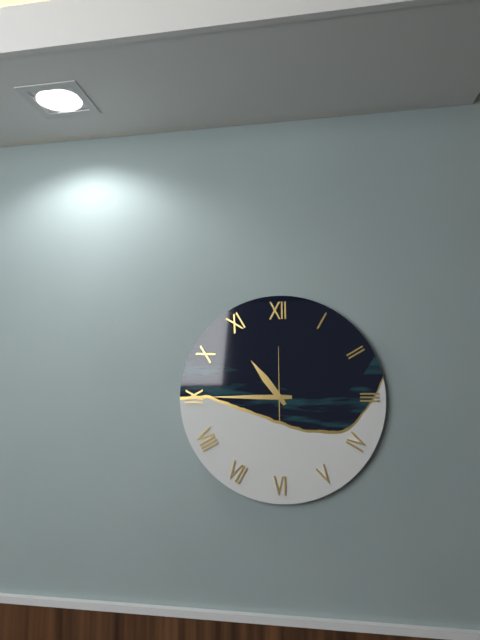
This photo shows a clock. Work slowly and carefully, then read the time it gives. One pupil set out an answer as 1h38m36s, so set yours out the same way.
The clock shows 10h45m00s
